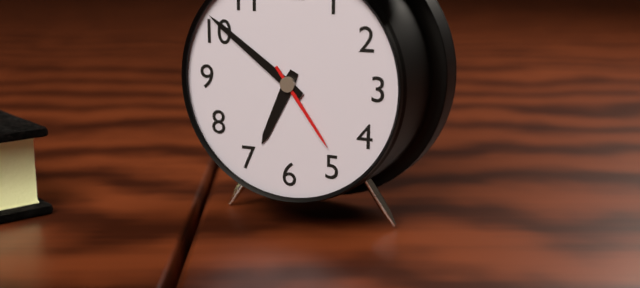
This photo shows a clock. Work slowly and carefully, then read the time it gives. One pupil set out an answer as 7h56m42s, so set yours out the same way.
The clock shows 6h51m24s
